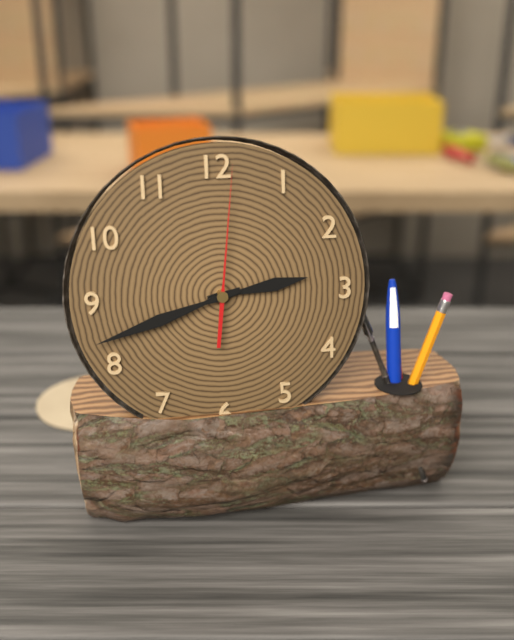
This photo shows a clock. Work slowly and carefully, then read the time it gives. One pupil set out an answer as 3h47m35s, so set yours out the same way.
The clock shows 2h42m01s
